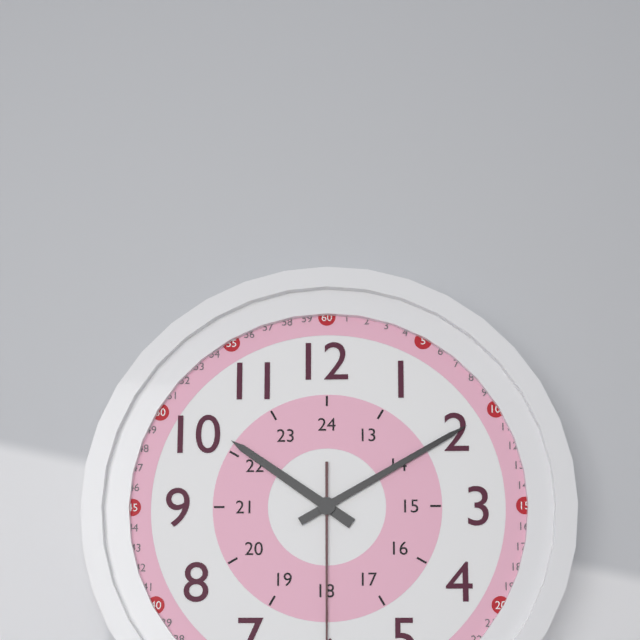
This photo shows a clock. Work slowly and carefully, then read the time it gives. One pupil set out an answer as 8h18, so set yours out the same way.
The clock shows 10h10
